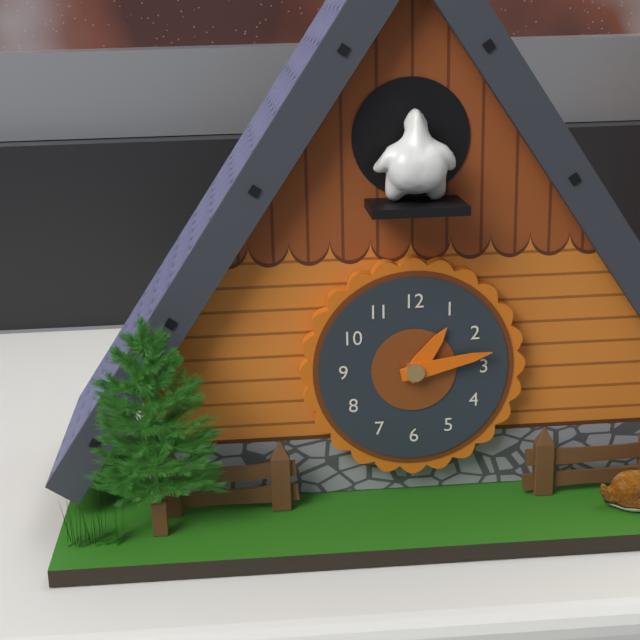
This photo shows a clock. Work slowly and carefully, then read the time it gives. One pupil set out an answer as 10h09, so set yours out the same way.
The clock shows 1h13
